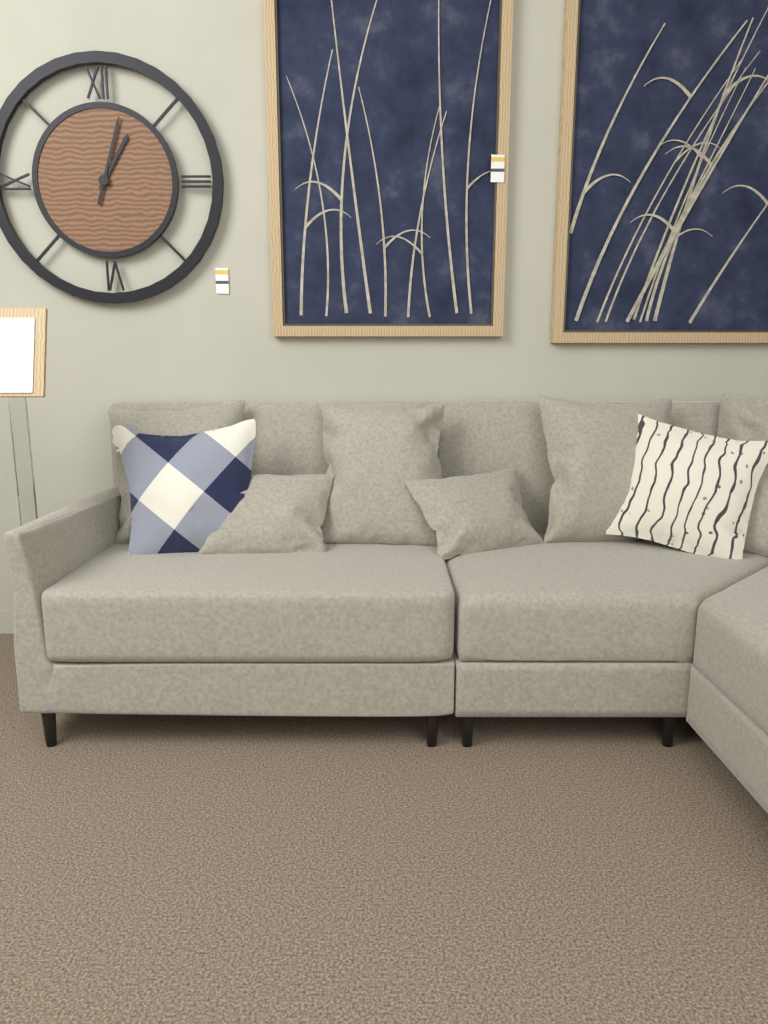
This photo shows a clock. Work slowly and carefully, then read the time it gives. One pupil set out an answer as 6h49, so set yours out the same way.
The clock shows 1h03
